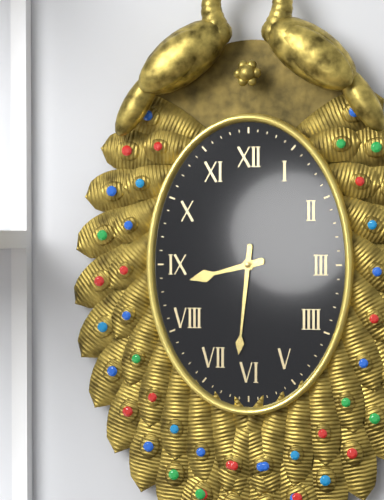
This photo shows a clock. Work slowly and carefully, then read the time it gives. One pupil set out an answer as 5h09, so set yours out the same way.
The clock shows 8h31
